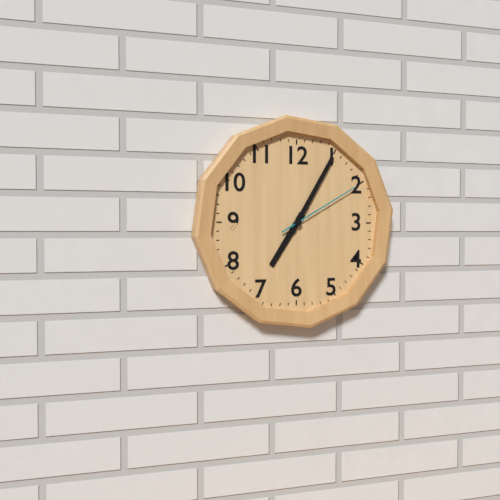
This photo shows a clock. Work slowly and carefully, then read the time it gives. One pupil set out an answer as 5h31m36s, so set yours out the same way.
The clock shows 7h05m10s
